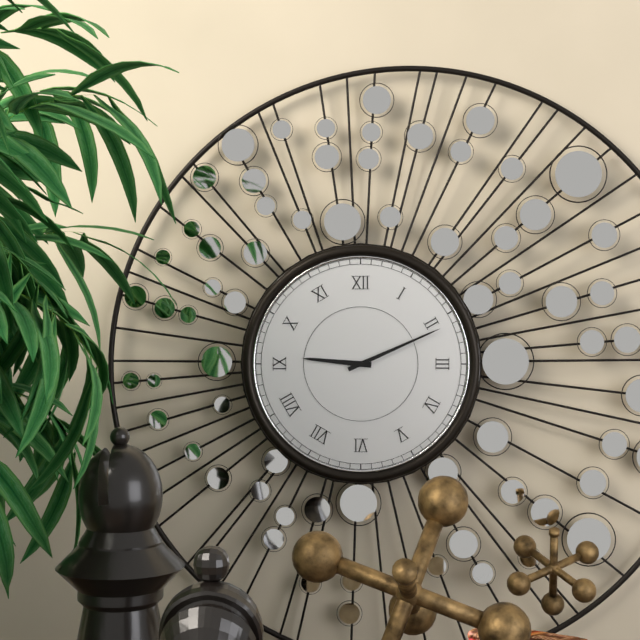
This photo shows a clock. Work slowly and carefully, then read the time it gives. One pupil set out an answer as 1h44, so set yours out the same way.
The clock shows 9h11
